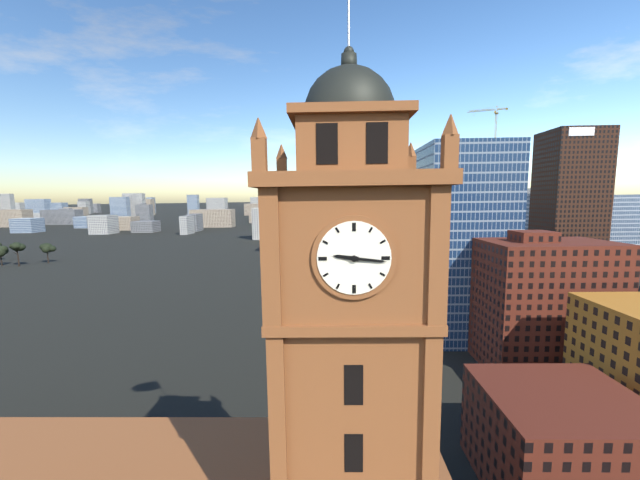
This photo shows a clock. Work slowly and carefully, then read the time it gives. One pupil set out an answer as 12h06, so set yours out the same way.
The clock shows 9h16
